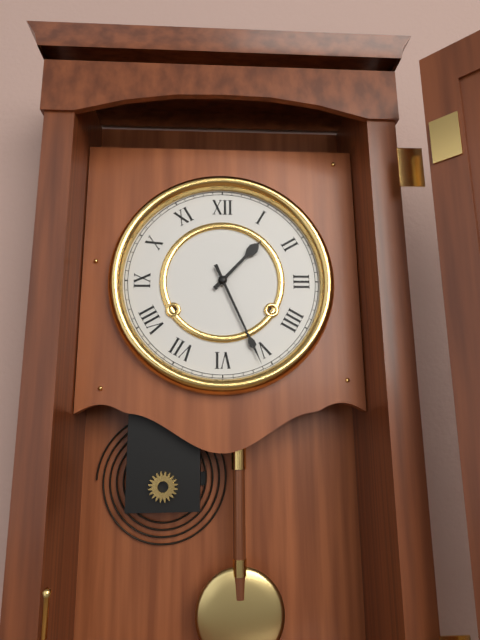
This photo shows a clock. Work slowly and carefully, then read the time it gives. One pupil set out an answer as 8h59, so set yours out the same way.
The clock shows 1h26
